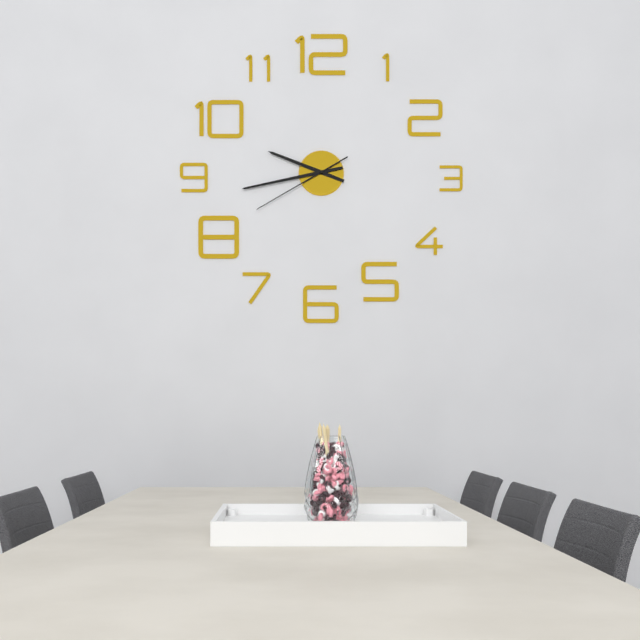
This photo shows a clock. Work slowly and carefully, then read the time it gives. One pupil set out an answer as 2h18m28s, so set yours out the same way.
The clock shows 9h43m40s
